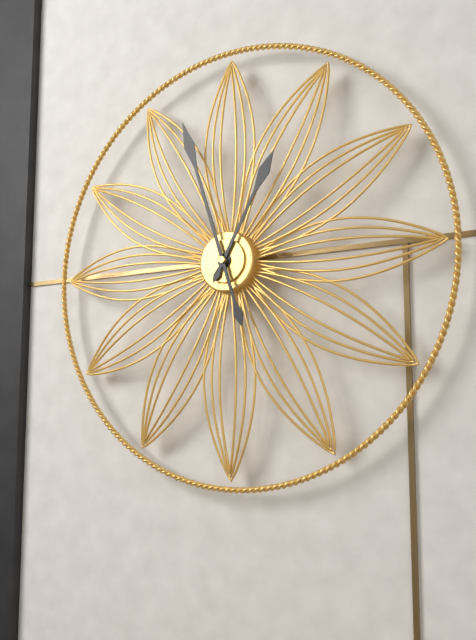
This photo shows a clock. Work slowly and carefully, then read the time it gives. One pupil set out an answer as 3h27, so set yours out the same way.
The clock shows 12h57
